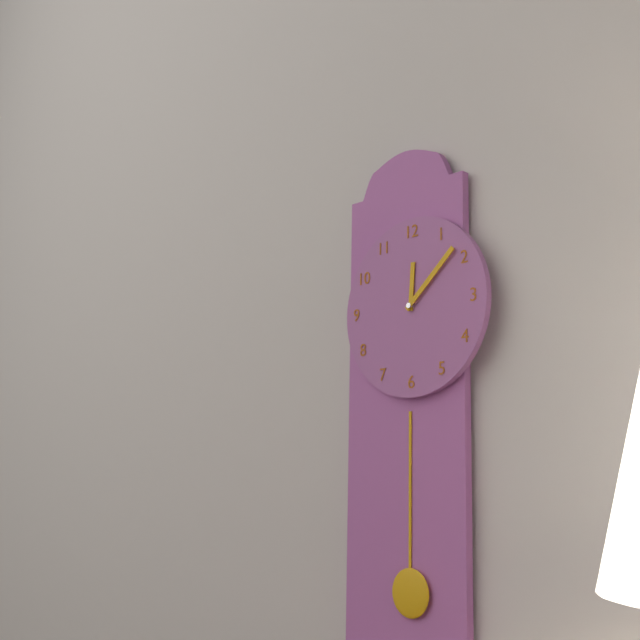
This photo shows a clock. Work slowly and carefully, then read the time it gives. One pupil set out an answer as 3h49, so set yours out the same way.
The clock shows 12h08
